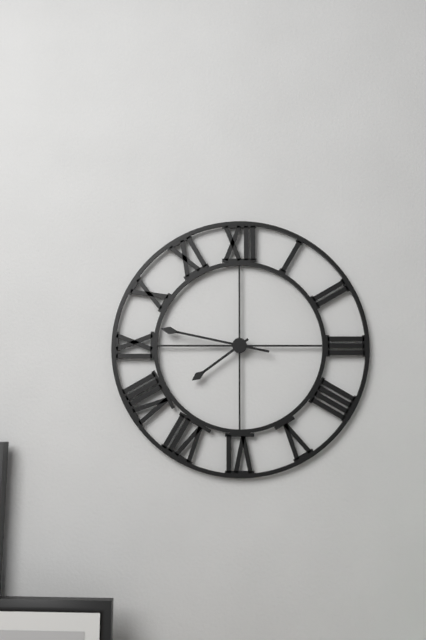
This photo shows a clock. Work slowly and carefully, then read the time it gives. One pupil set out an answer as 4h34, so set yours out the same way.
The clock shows 7h47
